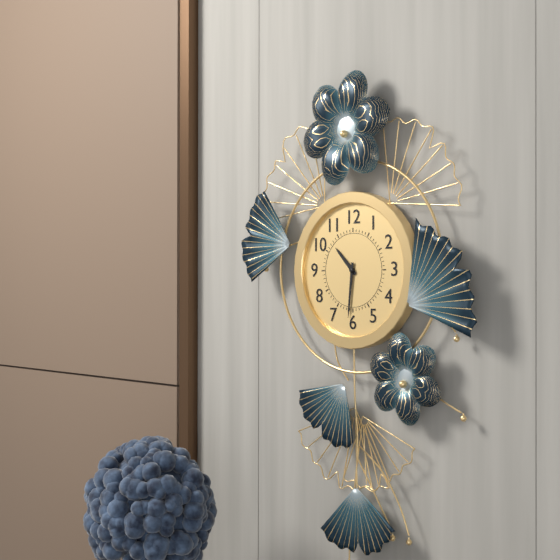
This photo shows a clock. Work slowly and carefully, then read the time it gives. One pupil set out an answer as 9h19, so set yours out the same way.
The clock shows 10h31
